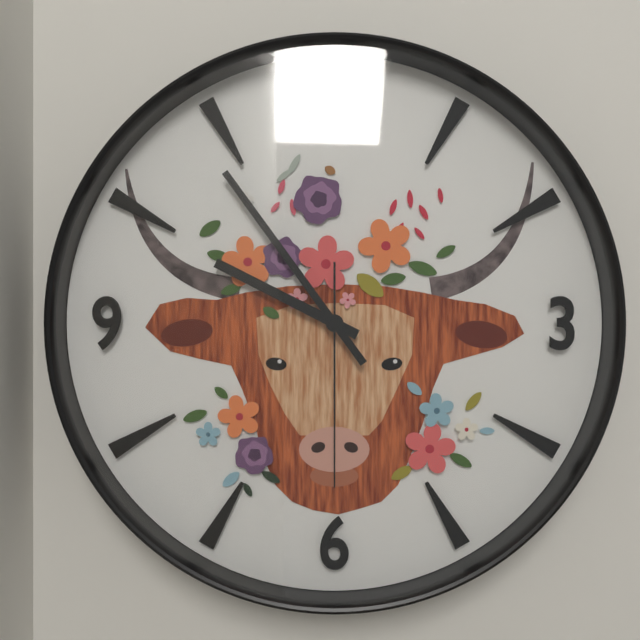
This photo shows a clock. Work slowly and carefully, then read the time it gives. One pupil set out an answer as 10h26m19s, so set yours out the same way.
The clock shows 9h54m30s
